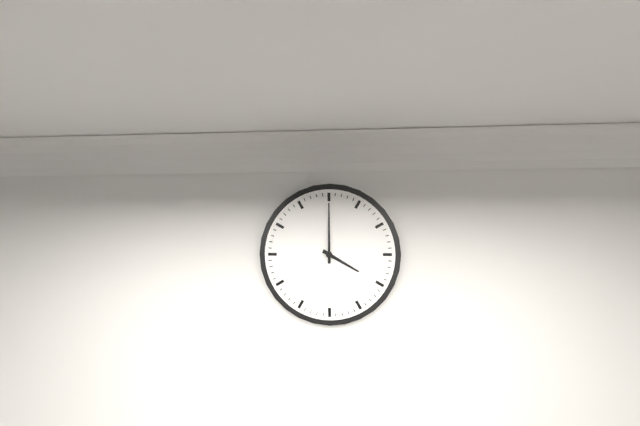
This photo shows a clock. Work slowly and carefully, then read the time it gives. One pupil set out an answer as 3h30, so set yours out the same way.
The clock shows 4h00
